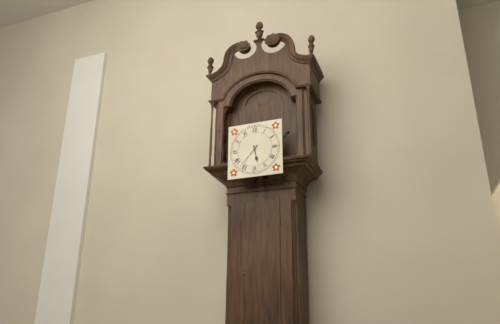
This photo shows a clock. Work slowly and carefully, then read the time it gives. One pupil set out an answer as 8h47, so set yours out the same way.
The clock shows 5h37
